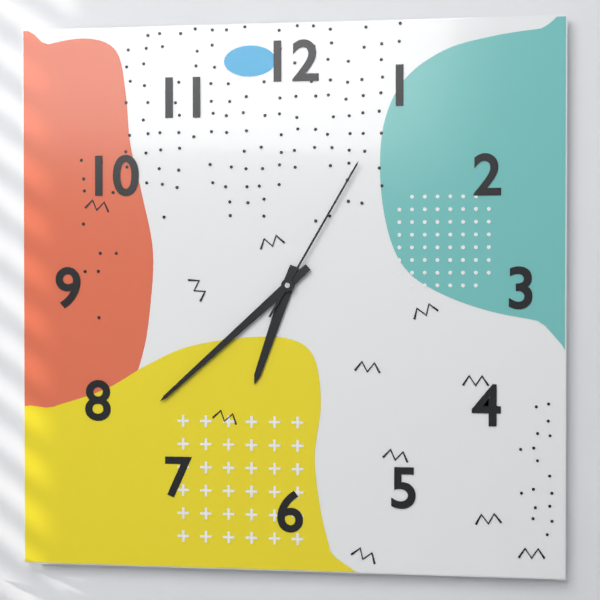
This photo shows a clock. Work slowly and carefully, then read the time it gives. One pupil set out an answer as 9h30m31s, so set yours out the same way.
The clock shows 6h38m05s
